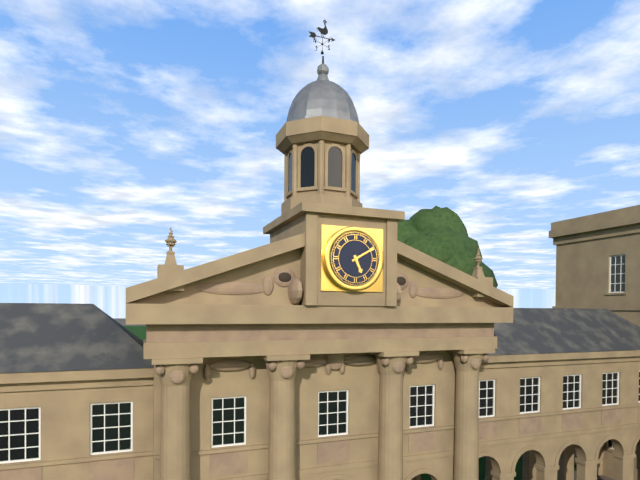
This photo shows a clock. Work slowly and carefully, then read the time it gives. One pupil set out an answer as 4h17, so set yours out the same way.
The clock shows 5h10
